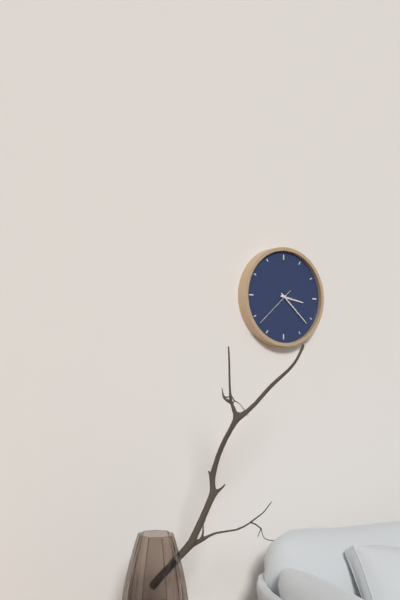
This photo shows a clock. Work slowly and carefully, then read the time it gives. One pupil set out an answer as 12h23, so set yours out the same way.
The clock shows 3h22
